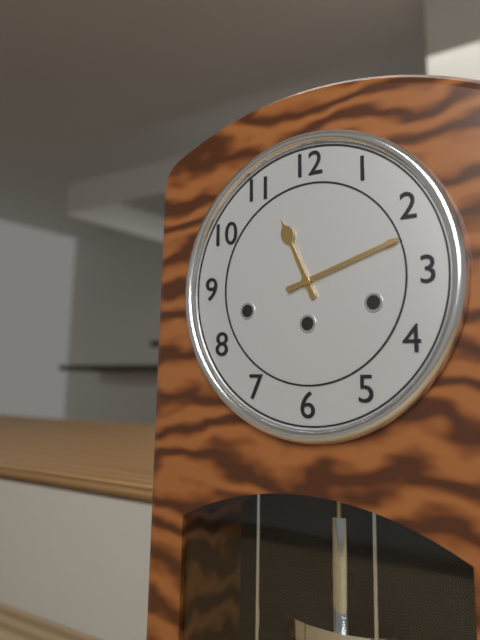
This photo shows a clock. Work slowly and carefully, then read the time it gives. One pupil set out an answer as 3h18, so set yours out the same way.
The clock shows 11h12
